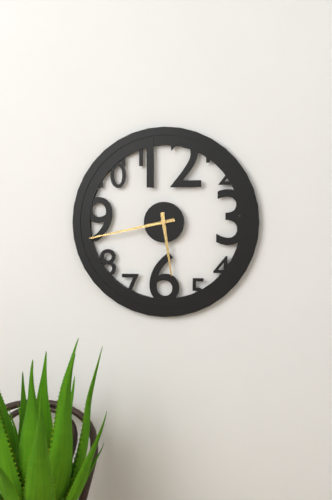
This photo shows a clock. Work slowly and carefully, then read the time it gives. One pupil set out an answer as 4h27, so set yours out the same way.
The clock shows 5h43
